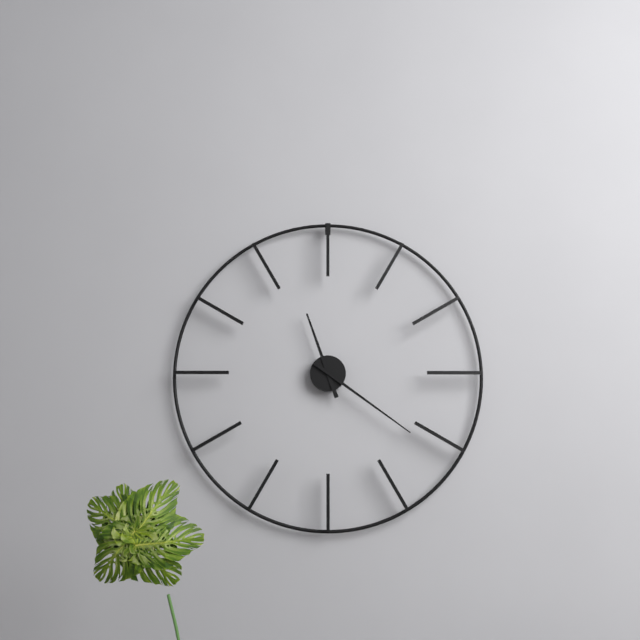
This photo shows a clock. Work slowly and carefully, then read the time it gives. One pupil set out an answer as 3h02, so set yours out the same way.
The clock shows 11h21
